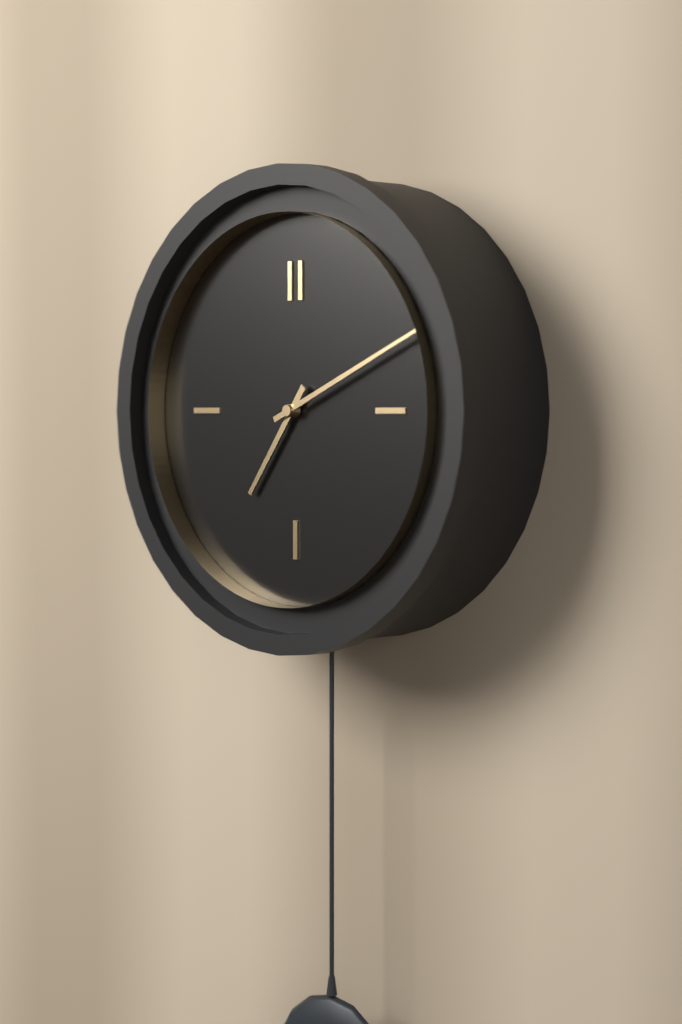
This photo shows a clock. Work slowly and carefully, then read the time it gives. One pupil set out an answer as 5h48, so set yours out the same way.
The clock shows 7h11
